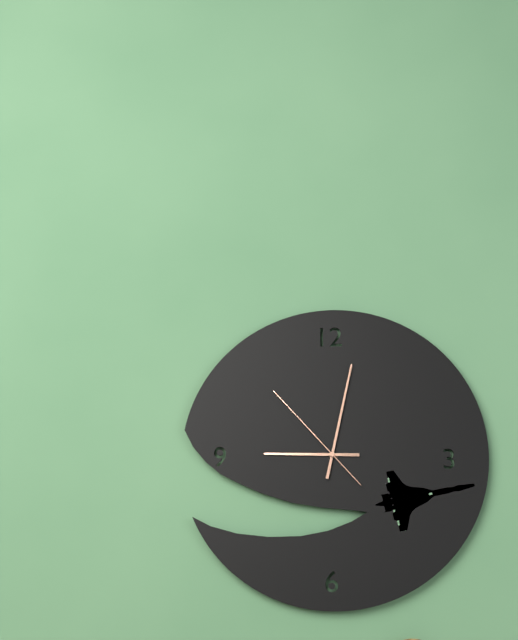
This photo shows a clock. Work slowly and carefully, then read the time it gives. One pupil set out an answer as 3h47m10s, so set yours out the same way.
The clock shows 9h02m53s
